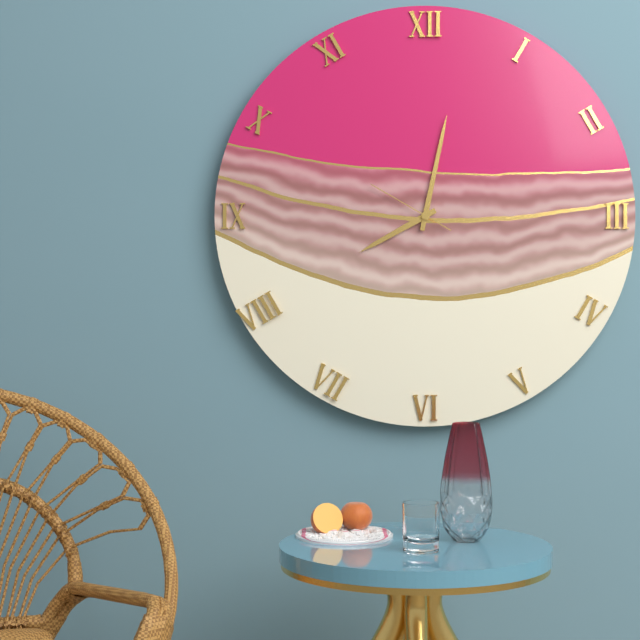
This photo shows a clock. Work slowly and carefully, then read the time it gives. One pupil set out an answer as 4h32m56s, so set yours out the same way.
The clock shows 8h02m50s
